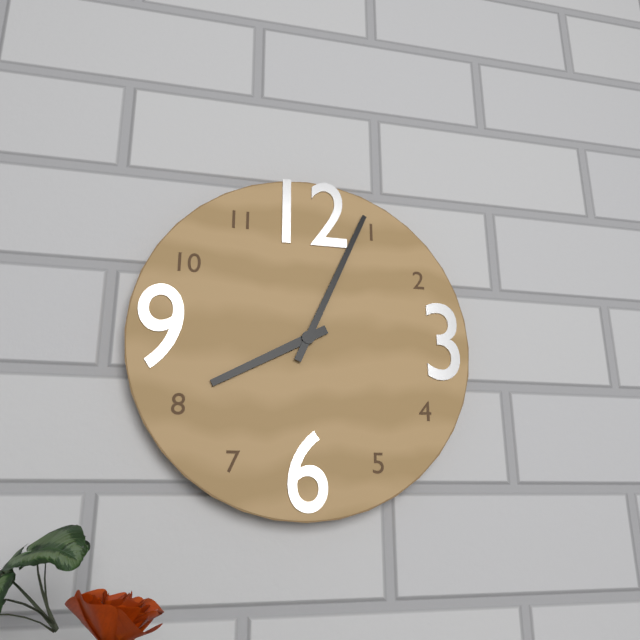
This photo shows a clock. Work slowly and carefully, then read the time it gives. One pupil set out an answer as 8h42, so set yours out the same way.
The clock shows 8h04
